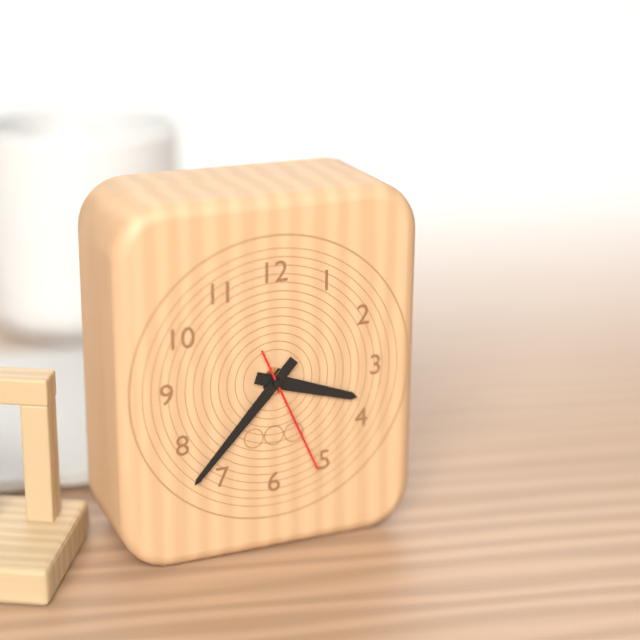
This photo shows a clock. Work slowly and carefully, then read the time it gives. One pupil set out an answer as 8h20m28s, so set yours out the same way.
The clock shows 3h37m26s
